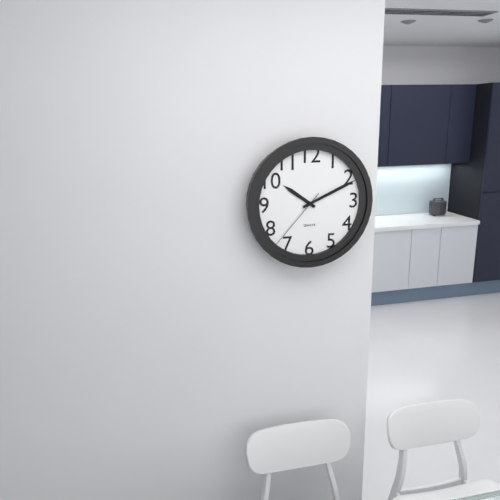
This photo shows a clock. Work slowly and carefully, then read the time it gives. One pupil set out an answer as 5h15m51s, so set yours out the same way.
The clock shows 10h11m37s
